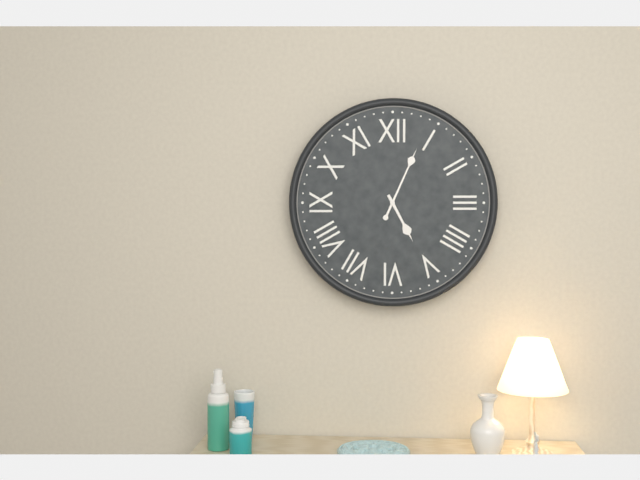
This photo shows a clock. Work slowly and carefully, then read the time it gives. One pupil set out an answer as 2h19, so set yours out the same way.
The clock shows 5h04
